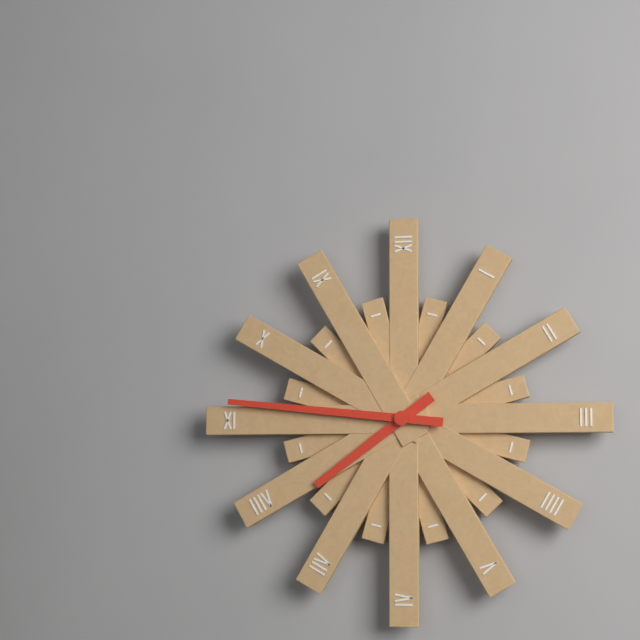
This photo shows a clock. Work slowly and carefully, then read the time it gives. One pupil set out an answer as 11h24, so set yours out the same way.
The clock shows 7h46
